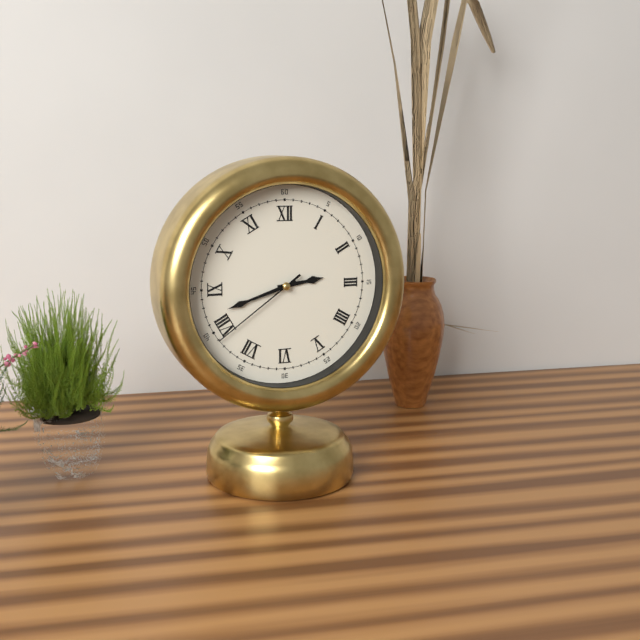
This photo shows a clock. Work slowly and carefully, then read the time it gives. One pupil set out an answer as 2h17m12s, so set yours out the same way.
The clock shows 2h42m39s
